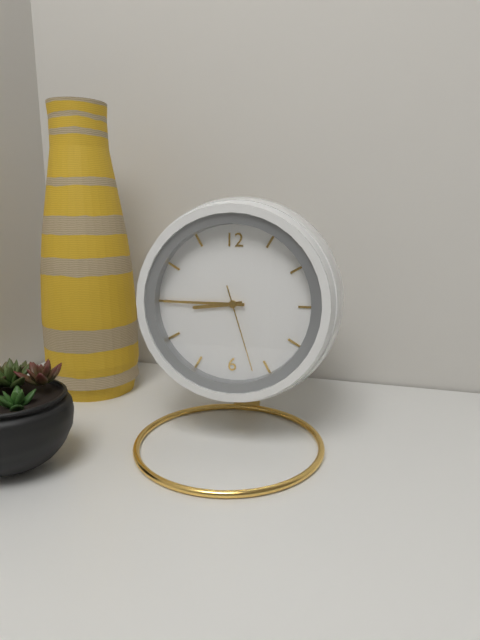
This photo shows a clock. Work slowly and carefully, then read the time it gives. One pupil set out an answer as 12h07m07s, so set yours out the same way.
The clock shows 8h45m27s
